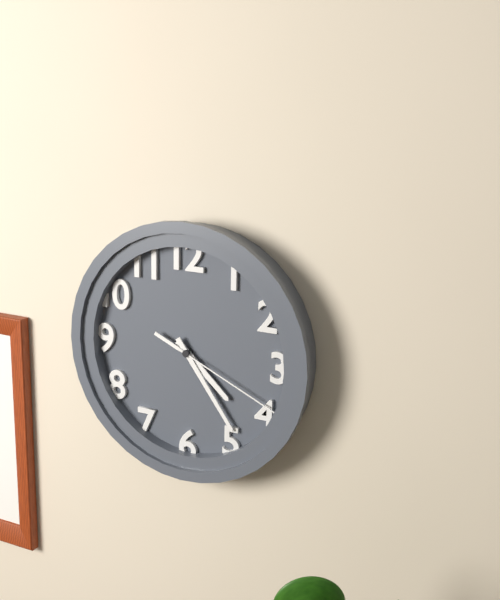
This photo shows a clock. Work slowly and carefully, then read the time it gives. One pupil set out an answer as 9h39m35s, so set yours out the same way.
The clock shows 4h24m19s
